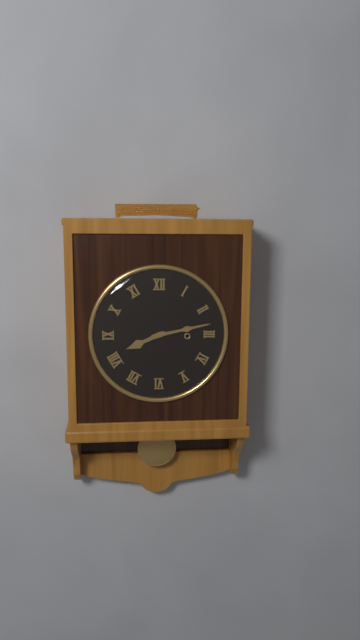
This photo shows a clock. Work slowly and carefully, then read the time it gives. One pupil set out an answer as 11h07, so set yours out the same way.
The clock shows 8h13
